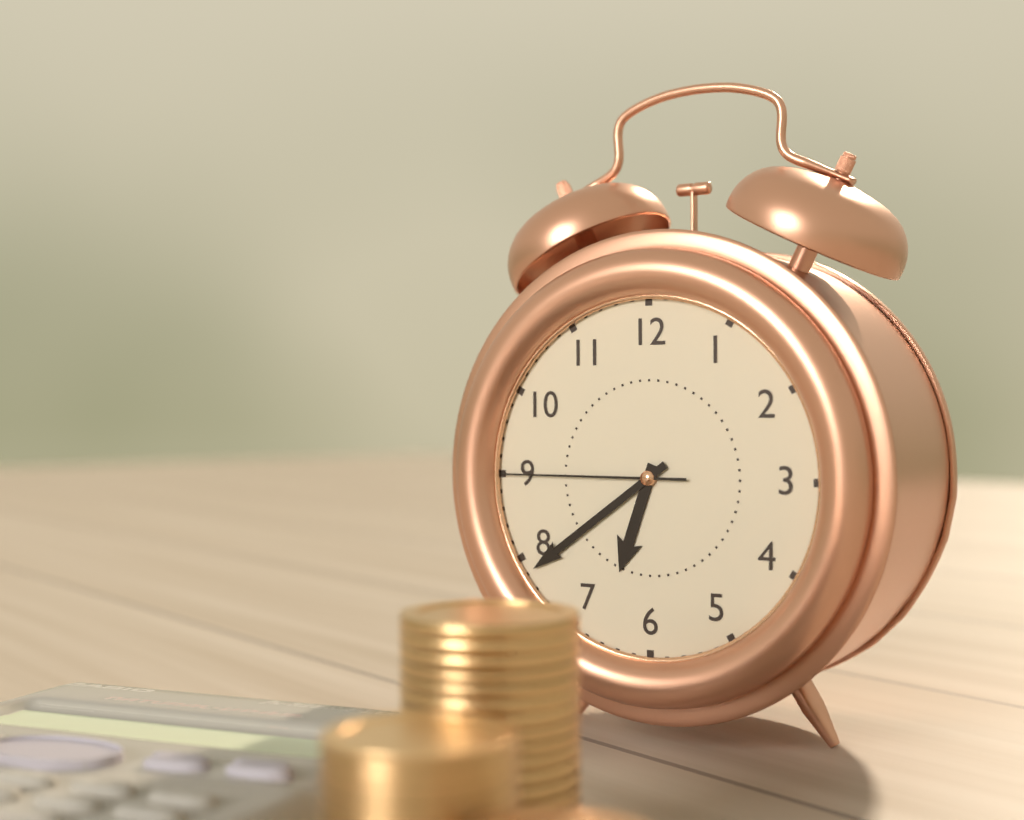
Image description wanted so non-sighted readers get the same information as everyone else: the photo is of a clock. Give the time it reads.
6:39:45
